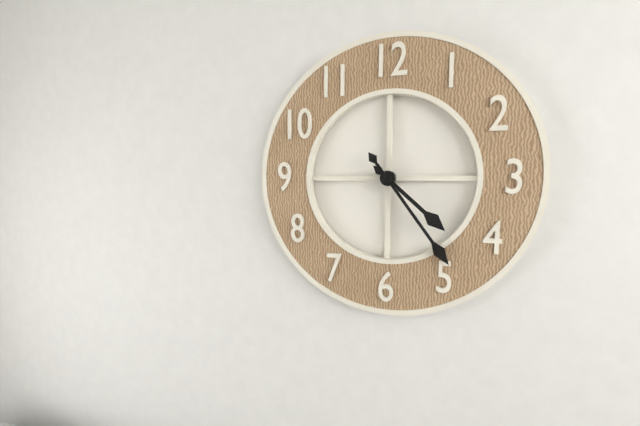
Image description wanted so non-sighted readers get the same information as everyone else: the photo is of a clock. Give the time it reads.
4:24
